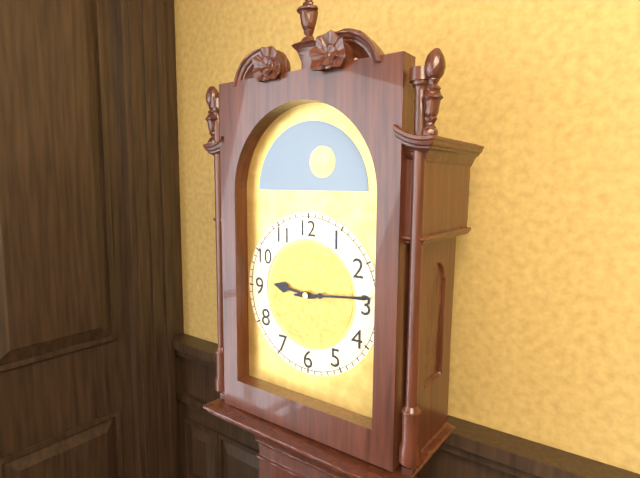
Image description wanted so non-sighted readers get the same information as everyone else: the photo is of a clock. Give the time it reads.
9:14
